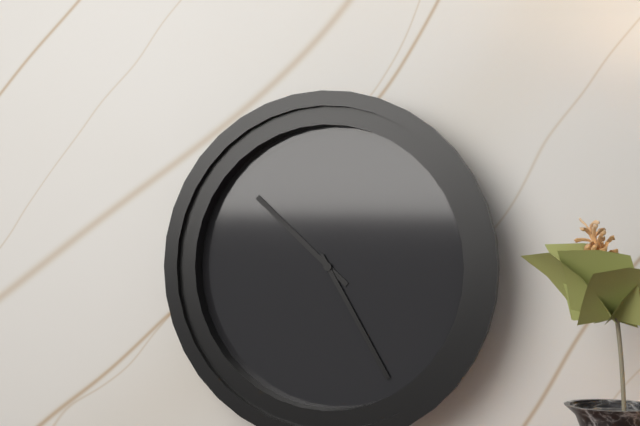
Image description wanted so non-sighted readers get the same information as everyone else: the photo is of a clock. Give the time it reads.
10:25
